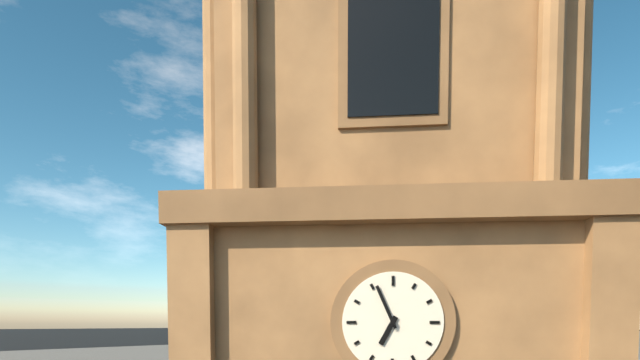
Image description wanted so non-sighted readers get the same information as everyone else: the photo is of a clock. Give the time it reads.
6:56
